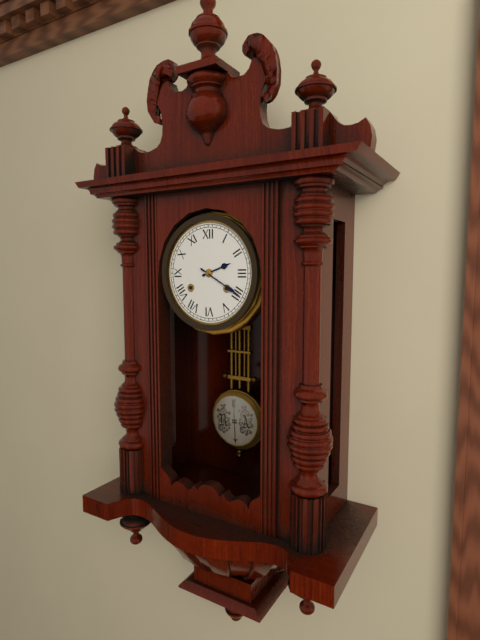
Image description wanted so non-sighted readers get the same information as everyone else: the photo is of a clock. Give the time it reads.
2:20
